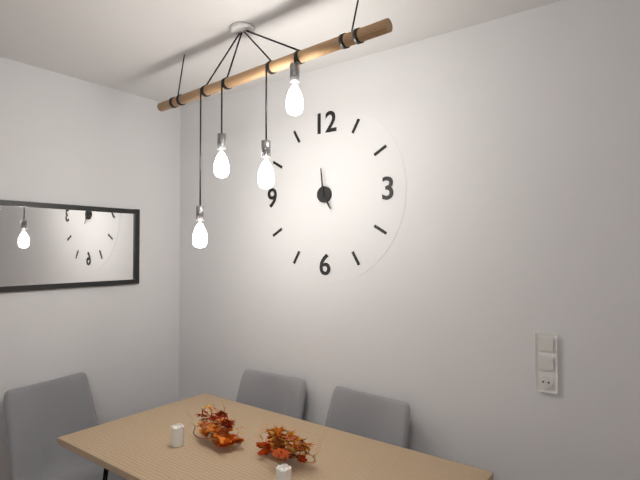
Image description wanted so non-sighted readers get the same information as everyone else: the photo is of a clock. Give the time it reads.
4:59
